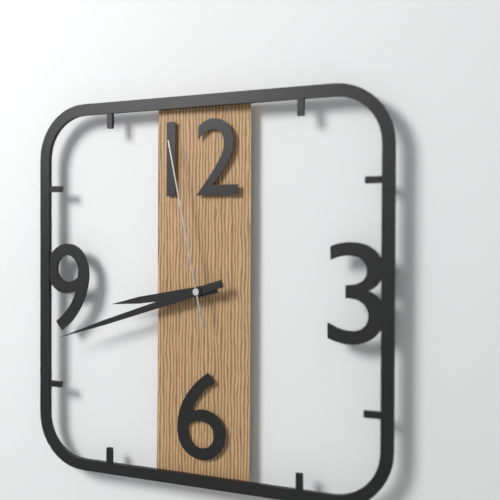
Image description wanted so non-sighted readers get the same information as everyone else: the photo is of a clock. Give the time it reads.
8:42:58
